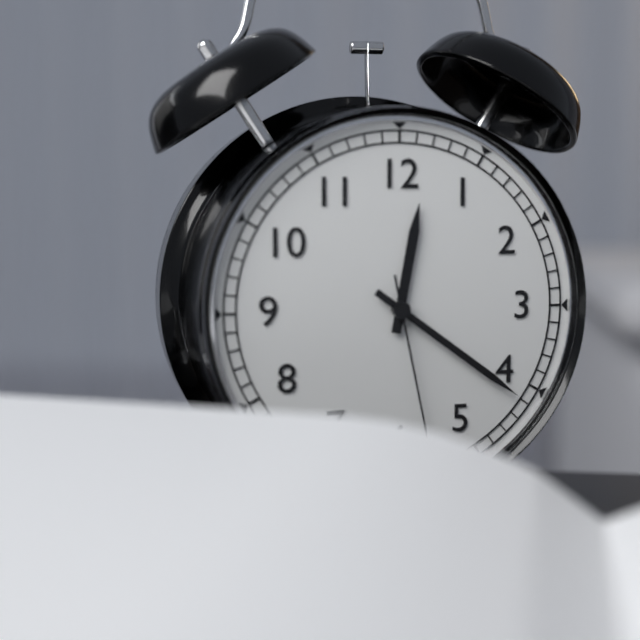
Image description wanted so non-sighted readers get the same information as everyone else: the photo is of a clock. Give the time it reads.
12:21:28
